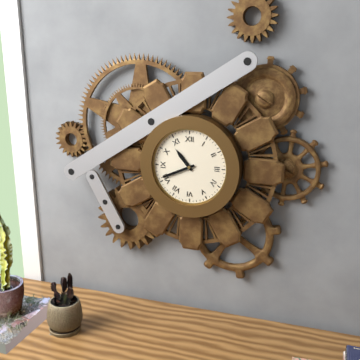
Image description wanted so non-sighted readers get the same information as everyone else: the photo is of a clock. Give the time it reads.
10:41
